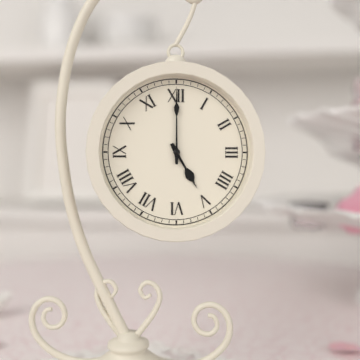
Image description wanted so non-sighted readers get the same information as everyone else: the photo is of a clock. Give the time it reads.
5:00
